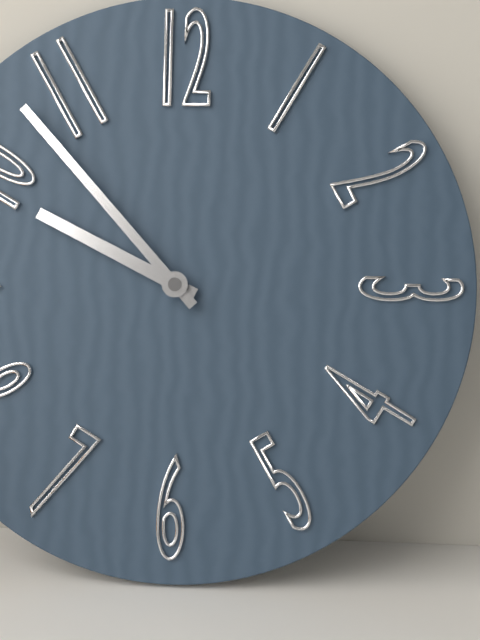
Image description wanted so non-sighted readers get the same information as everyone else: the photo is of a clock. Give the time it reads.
9:53
